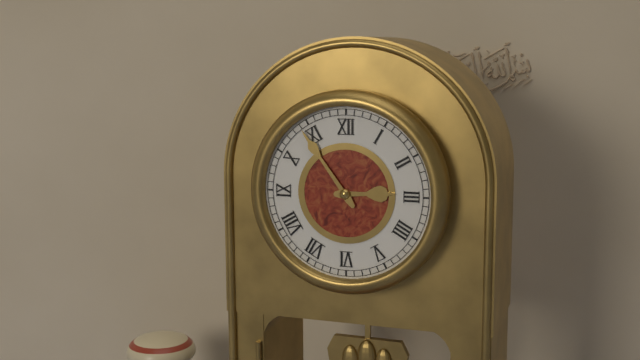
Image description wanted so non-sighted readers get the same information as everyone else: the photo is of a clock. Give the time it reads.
2:54
